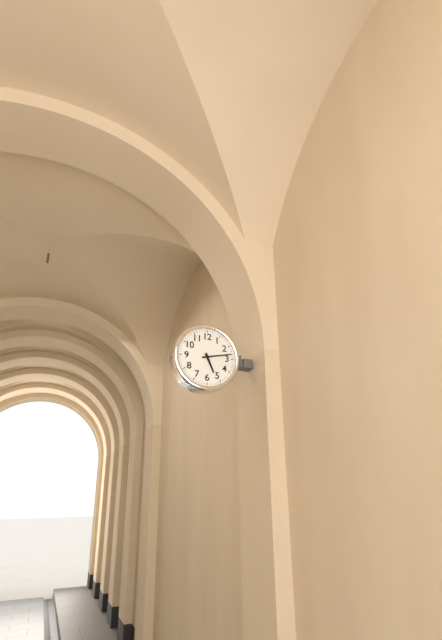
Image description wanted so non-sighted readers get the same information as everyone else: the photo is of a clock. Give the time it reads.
5:13
